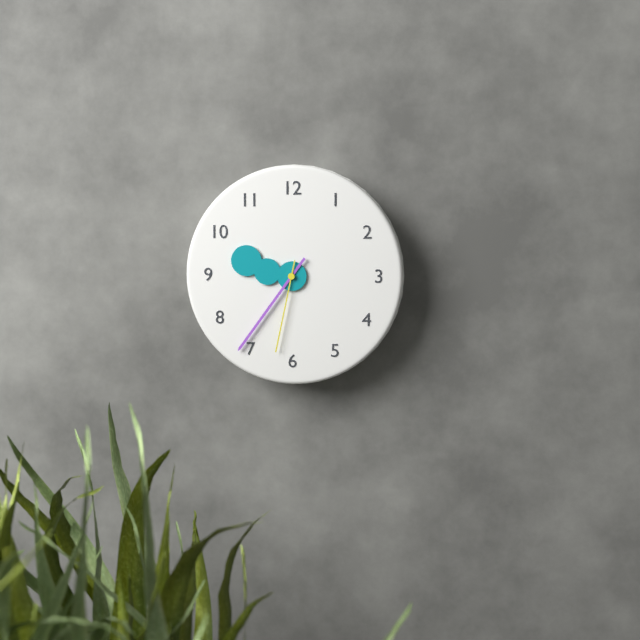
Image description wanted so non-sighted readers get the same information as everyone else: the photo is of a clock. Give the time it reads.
9:36:32
